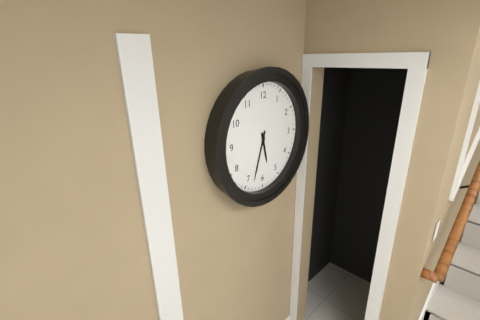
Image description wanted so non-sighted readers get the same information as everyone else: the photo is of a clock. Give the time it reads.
5:33
